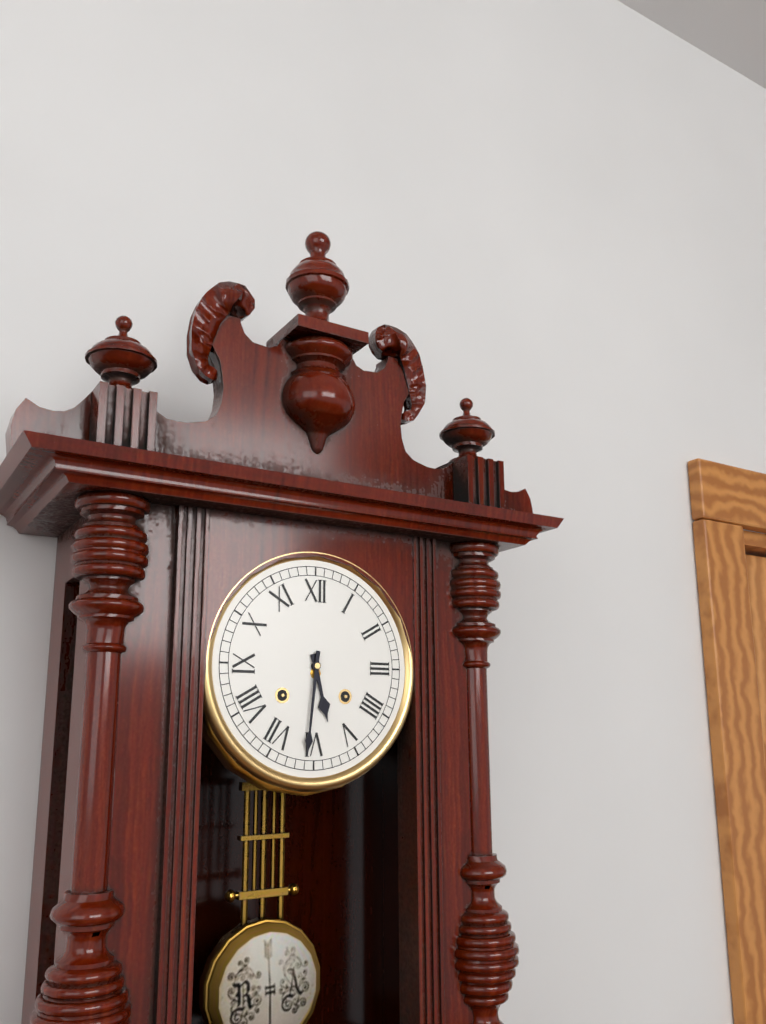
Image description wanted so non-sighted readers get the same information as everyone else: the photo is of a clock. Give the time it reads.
5:31
